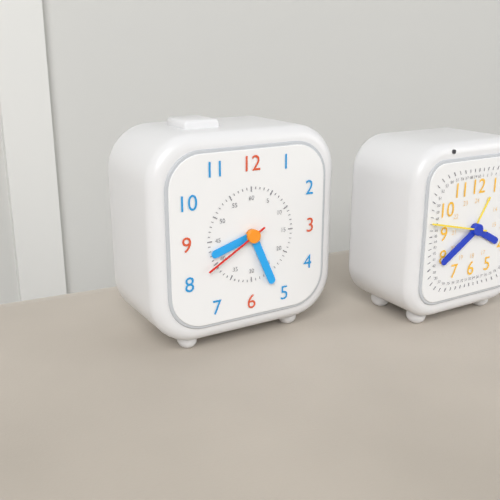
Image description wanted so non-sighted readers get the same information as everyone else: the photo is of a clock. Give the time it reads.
8:26:40
